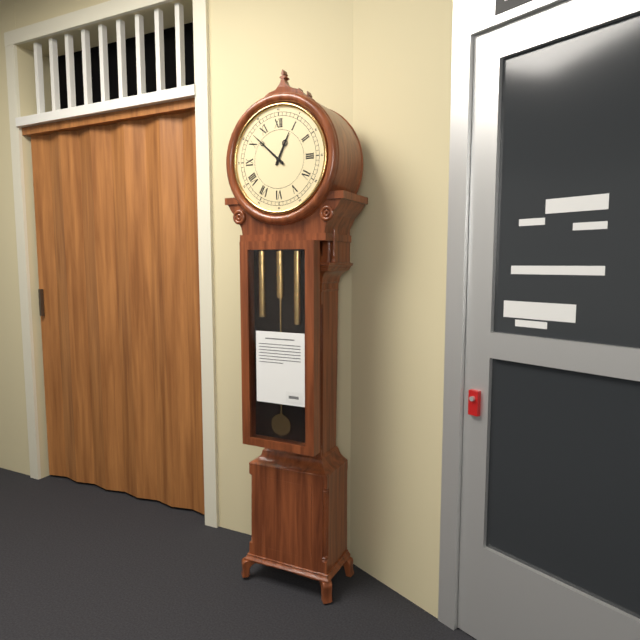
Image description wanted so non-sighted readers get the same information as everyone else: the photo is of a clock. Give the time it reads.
12:52
